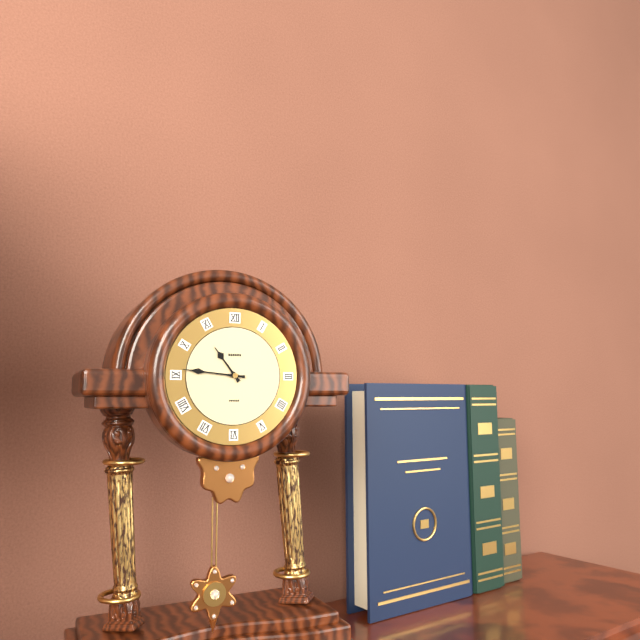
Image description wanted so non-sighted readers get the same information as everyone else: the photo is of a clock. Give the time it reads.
10:46
